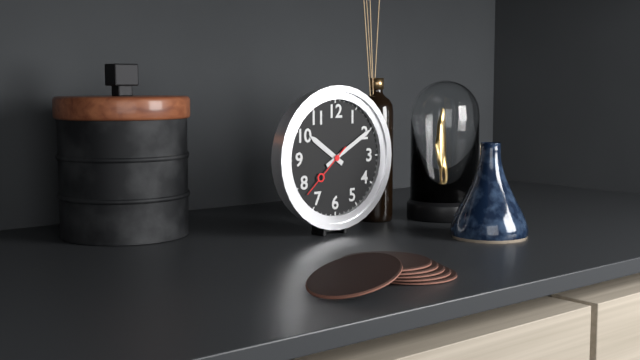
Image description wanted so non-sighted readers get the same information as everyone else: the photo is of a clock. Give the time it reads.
10:10:38
